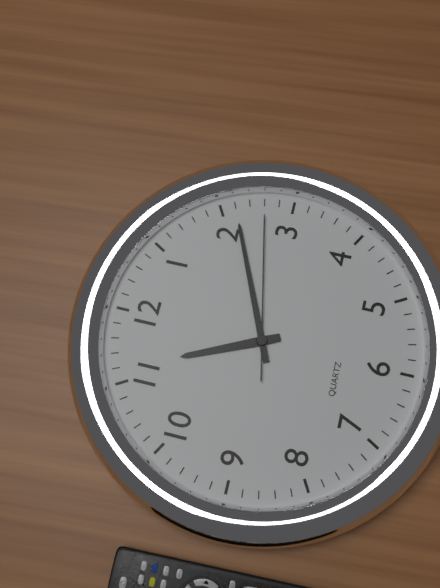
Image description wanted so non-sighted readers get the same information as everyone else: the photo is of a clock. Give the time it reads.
11:11:13
